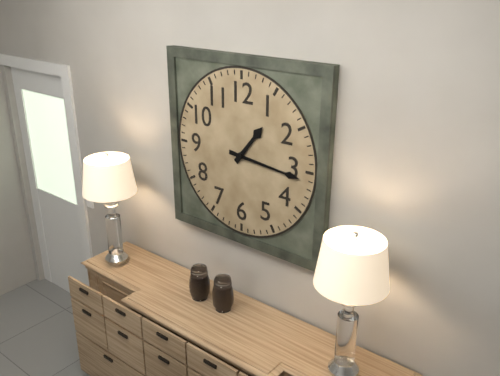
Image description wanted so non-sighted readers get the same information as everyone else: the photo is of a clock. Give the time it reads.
1:16
